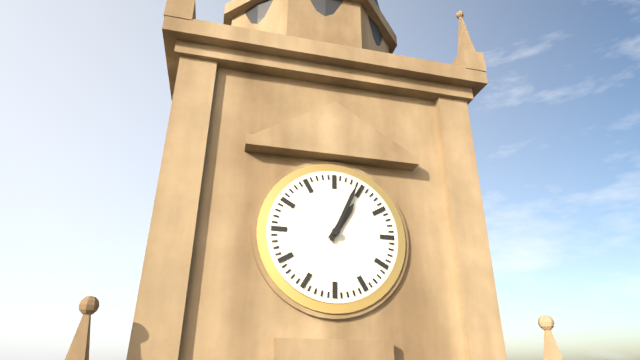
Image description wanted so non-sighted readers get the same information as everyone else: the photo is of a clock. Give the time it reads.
1:04
